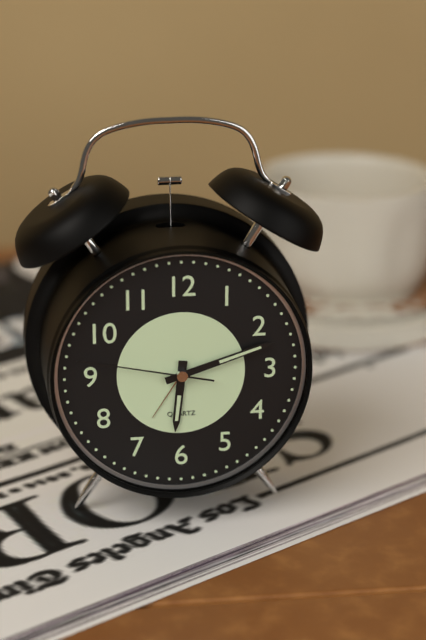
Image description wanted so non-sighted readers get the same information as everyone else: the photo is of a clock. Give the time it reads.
6:12:47
